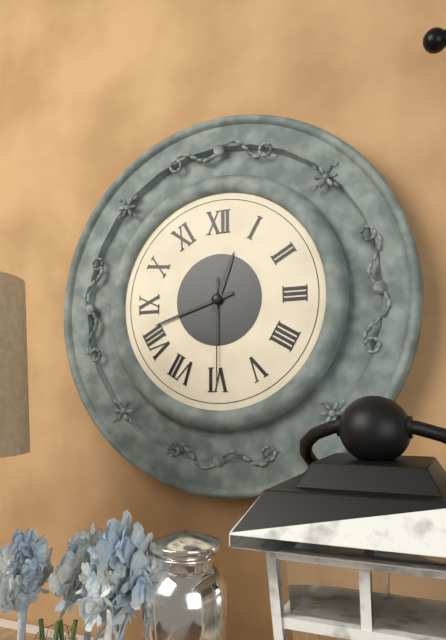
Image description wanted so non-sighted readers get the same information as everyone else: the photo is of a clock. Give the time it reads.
12:42:30
